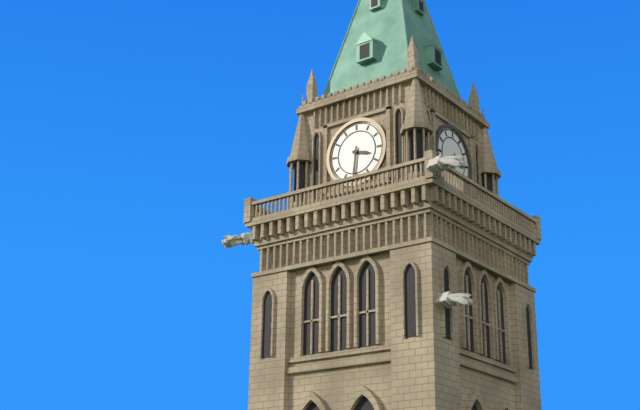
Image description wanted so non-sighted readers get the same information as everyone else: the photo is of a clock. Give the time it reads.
3:31
